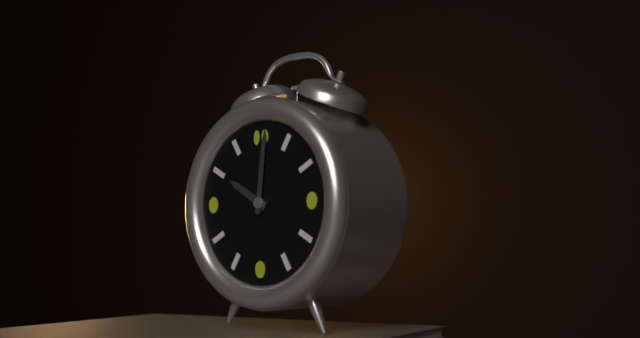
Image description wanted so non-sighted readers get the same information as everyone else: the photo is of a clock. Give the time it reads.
10:01
